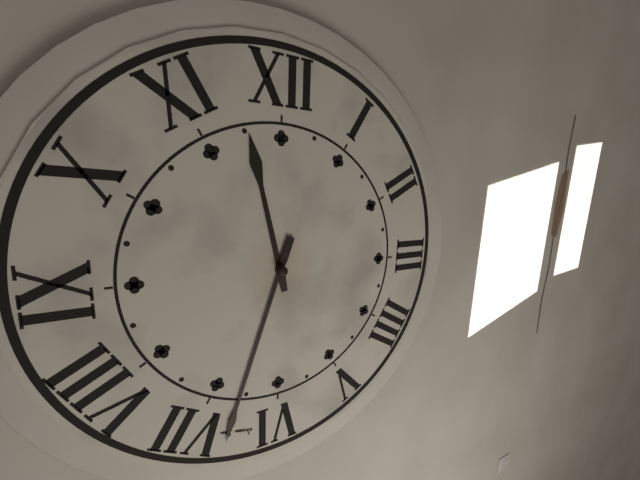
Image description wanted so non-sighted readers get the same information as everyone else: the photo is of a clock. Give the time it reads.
11:33
